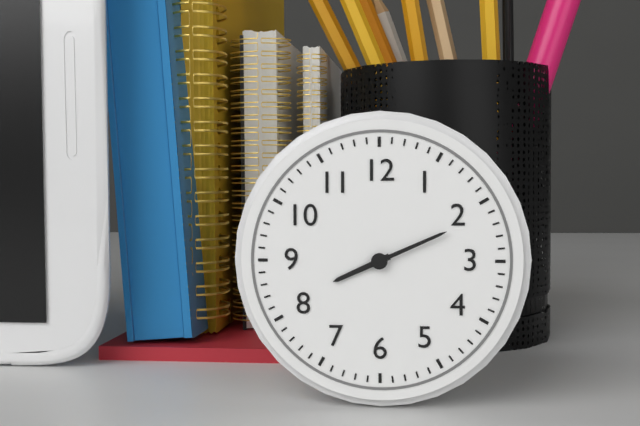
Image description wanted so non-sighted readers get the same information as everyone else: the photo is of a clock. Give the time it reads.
8:11
